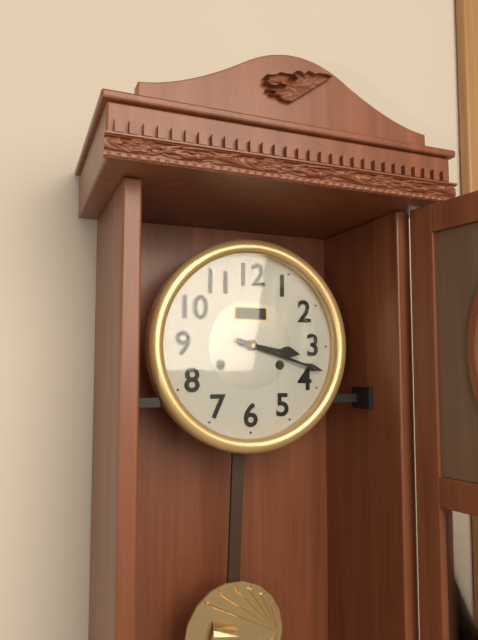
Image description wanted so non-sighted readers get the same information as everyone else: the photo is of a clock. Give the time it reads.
3:18
